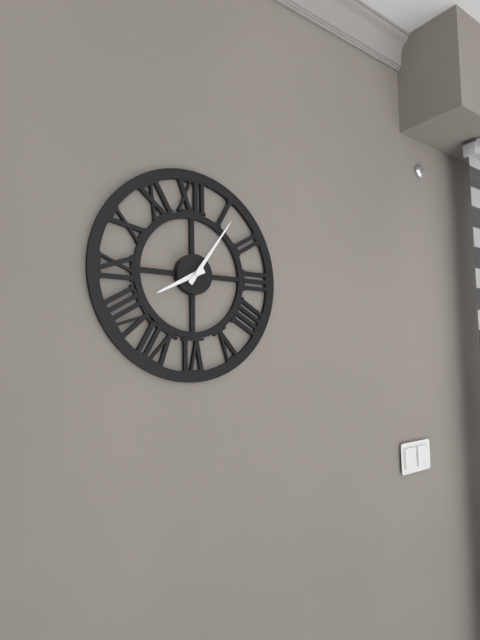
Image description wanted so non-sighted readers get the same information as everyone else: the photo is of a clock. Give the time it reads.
8:06
